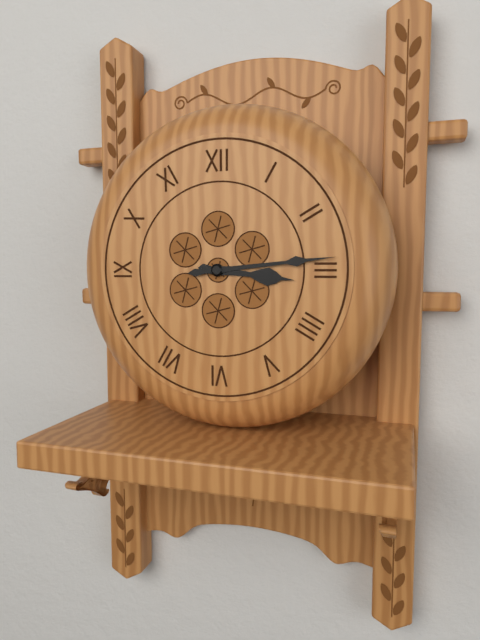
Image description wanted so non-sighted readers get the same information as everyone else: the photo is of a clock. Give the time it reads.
3:14
